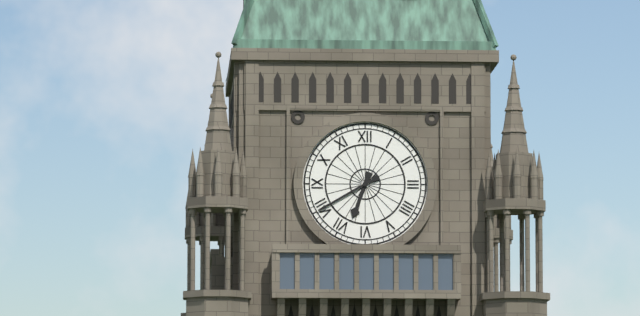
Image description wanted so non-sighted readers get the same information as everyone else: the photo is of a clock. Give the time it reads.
6:40
